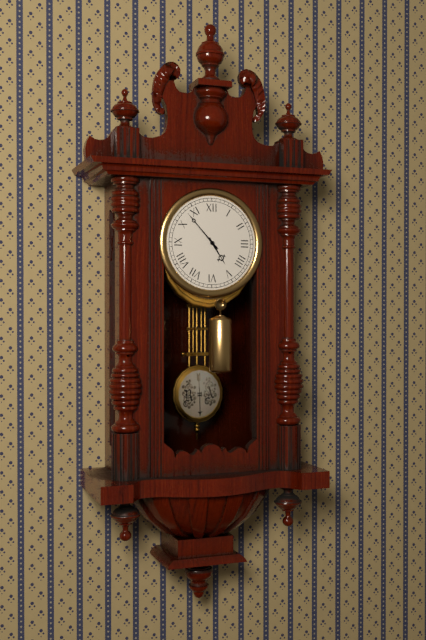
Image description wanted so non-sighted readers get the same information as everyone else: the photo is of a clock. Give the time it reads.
4:53
